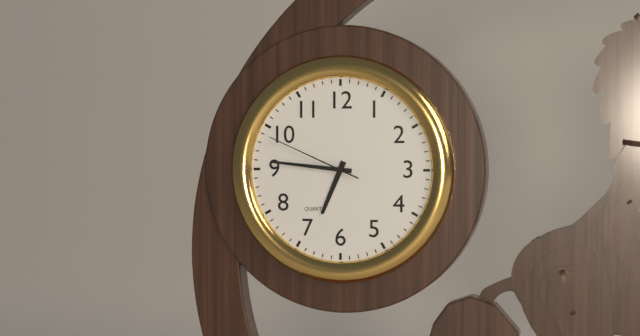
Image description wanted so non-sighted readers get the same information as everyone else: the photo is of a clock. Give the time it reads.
6:46:49
